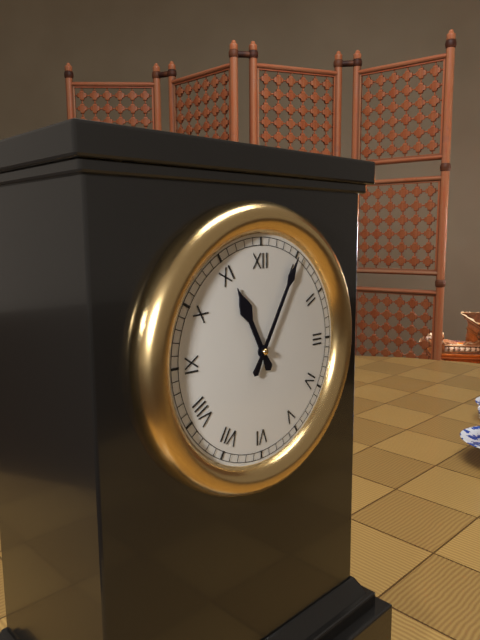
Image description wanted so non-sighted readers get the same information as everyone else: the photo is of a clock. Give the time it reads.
11:05
